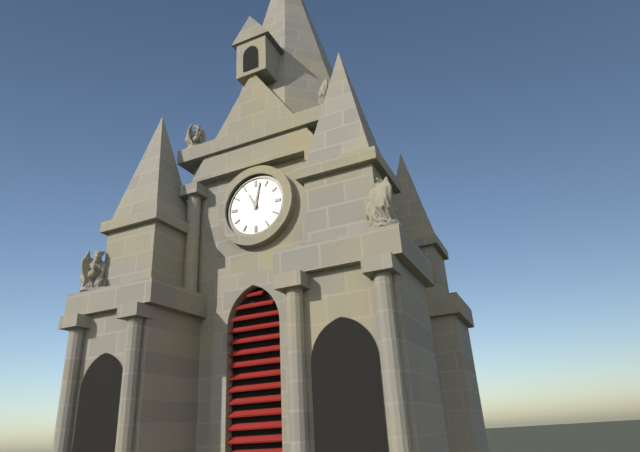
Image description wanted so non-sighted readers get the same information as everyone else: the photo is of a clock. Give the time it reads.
11:02
